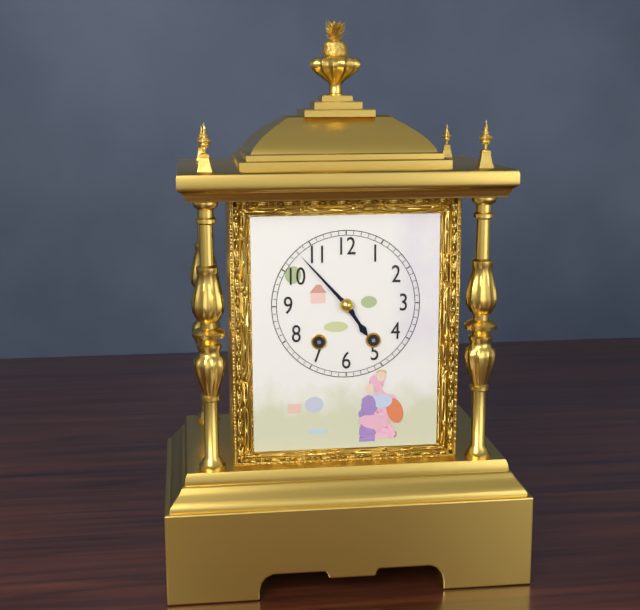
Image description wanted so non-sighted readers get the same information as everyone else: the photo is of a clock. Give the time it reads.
4:53
